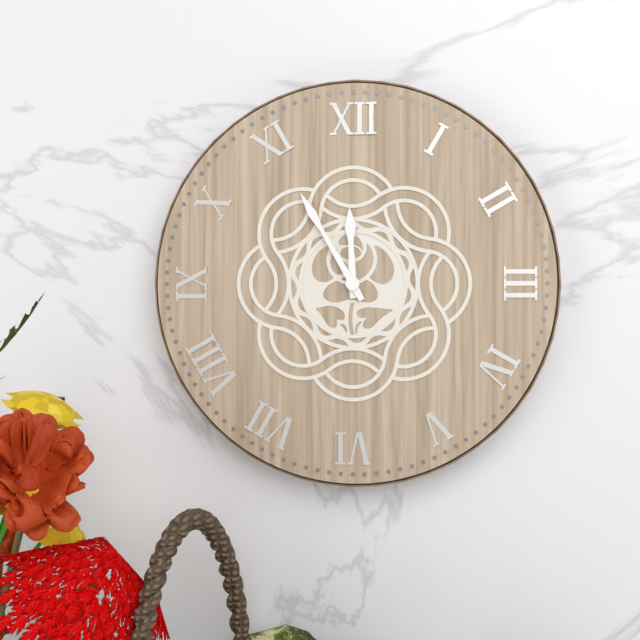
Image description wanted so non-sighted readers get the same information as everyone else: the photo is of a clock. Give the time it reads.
11:55
